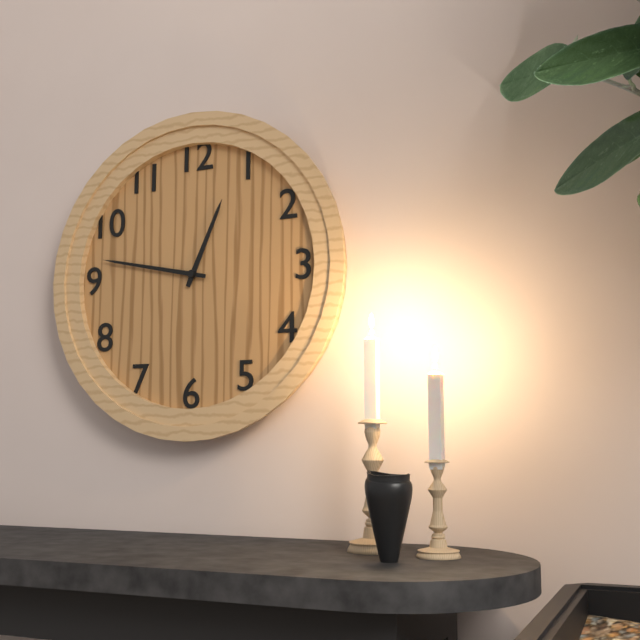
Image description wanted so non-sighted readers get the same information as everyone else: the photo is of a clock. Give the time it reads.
12:47
